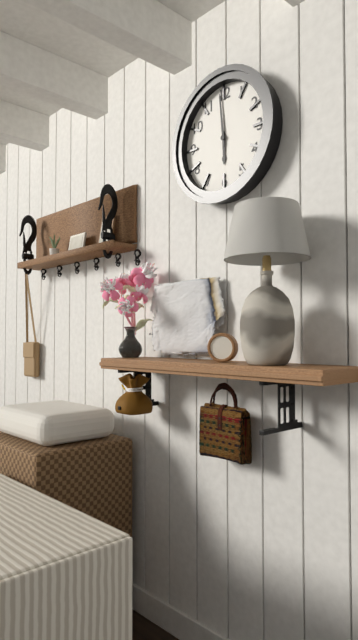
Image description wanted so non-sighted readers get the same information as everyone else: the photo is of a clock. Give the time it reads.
5:59
